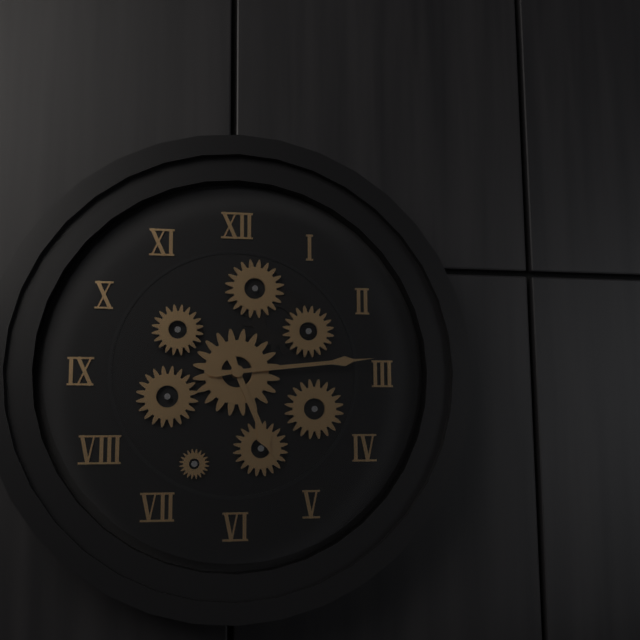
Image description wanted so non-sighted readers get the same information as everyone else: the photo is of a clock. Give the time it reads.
5:14
